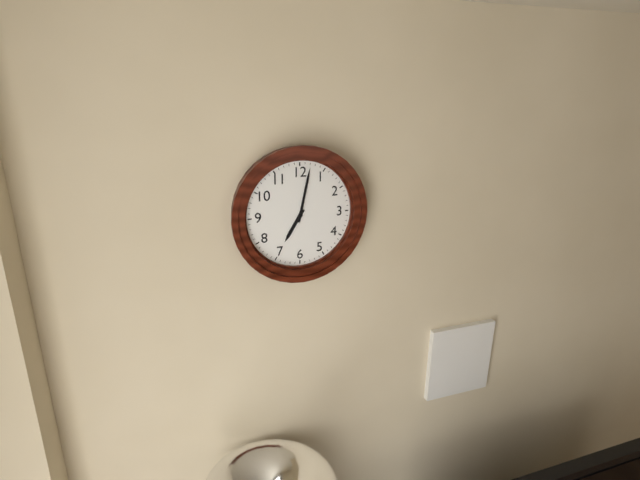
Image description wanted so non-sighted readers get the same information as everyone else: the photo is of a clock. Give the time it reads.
7:02
